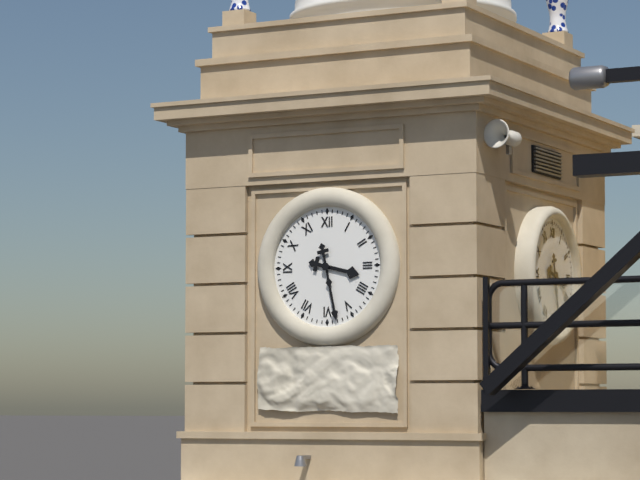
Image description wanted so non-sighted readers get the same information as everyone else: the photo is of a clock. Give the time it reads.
3:28
